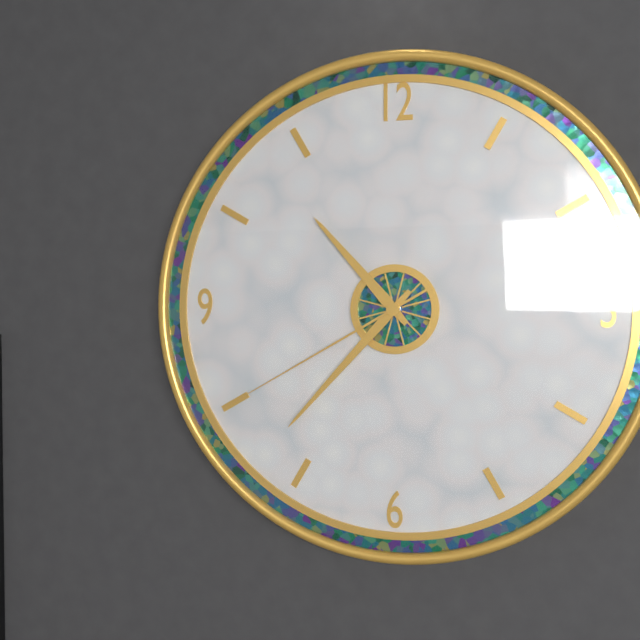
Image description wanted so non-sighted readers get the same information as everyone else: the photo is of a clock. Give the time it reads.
10:37:40
